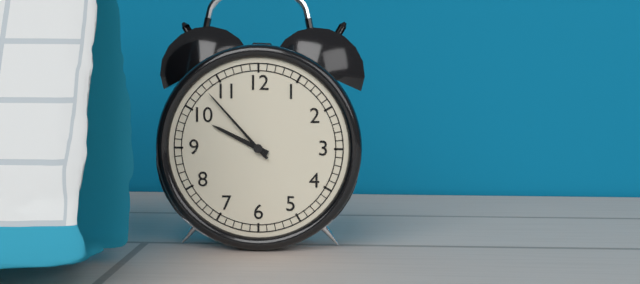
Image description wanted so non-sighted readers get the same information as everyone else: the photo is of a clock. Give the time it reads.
9:53
